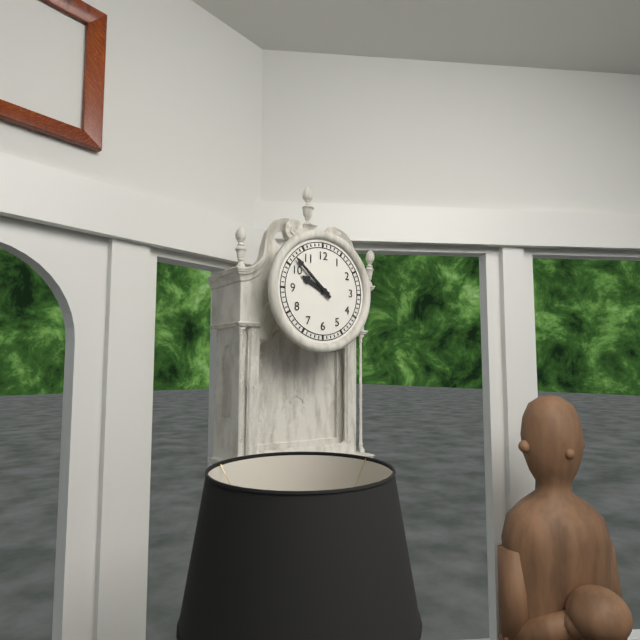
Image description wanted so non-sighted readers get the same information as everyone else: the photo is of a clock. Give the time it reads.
9:52
